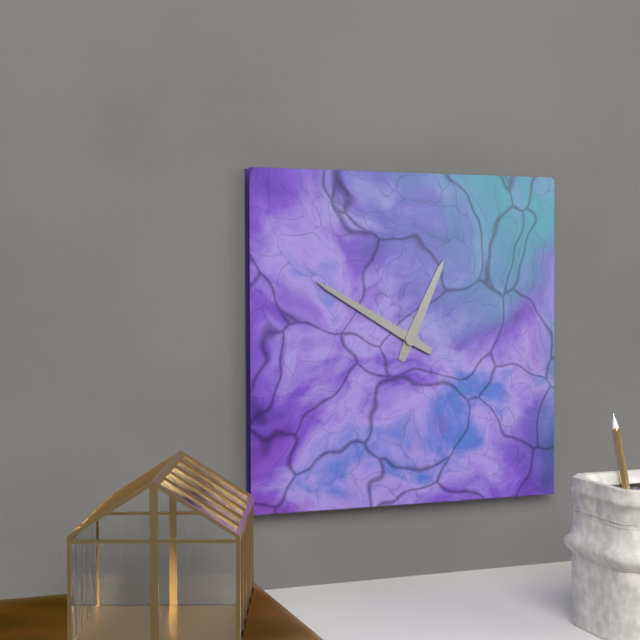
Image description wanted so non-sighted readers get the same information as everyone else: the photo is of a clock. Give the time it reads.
12:50
